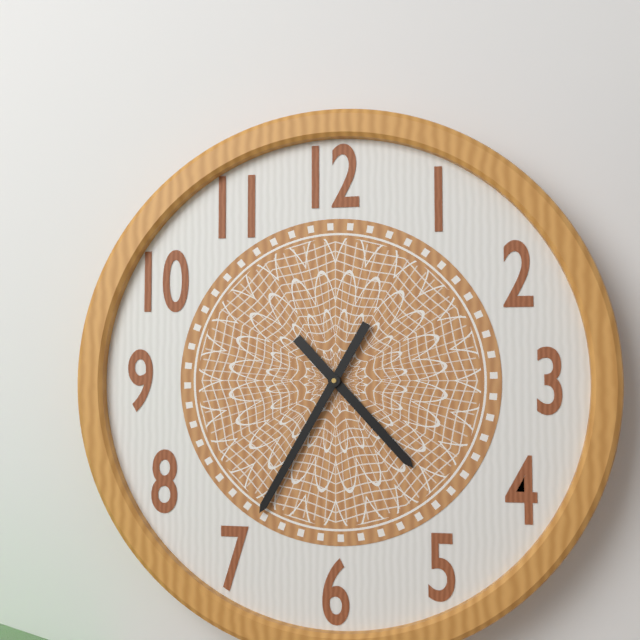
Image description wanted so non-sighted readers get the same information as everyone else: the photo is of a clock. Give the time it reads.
4:35
